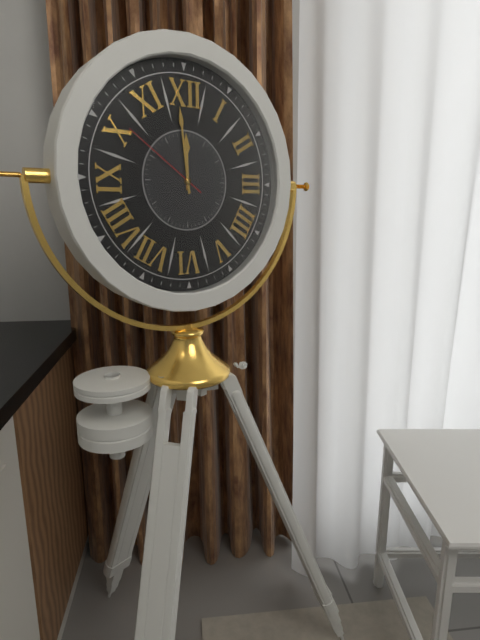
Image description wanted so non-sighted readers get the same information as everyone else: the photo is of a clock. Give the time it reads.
11:59:51
